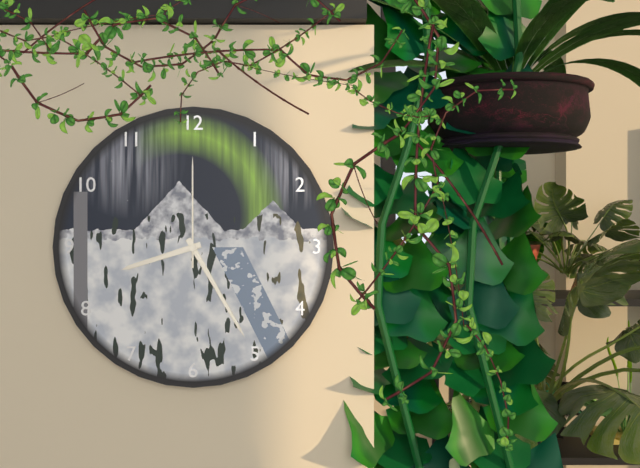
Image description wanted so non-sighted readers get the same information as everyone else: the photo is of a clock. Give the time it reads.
8:25:00
